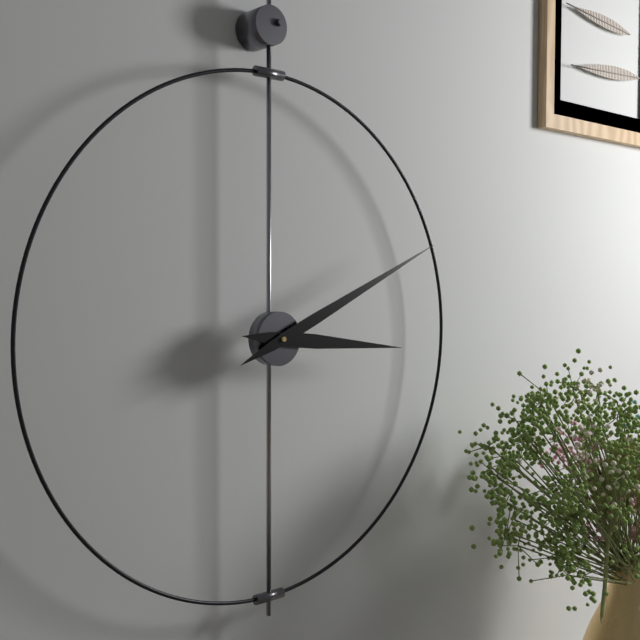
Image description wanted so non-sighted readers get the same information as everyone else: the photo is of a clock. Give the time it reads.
3:11
